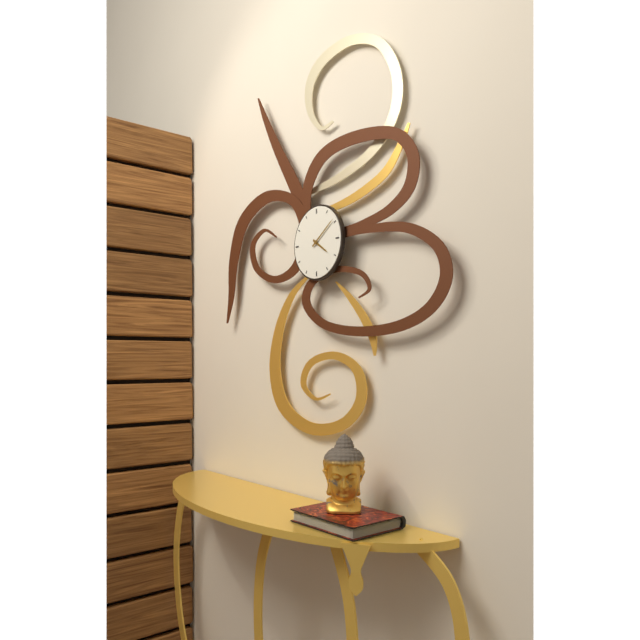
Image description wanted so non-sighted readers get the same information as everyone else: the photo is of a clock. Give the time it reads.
4:09
